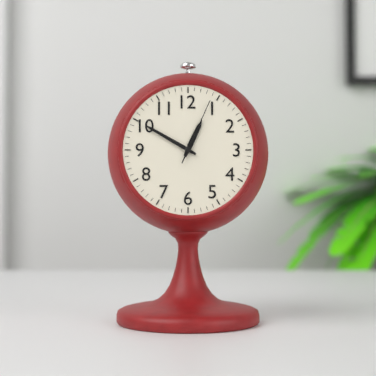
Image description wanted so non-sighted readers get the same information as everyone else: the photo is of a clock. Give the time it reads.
12:50:04
